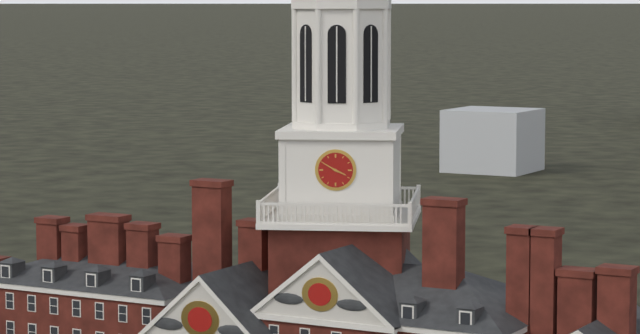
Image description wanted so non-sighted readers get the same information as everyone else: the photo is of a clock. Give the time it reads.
3:50
